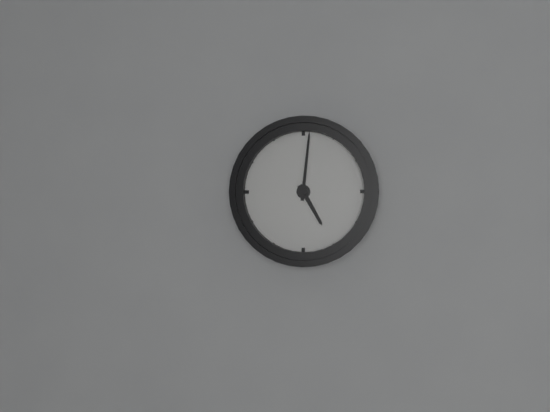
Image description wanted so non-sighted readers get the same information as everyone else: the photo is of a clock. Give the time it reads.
5:01
